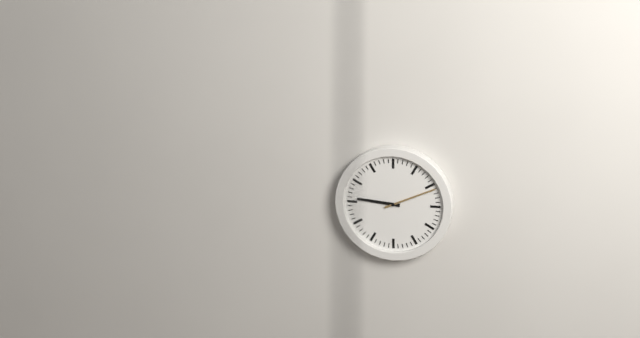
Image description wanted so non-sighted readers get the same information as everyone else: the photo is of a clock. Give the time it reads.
9:11
